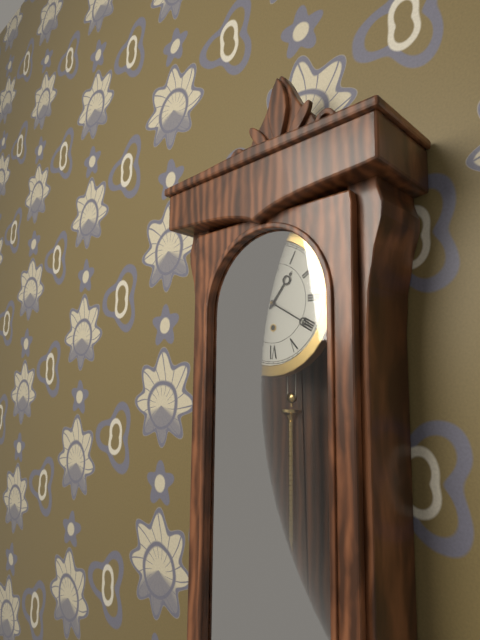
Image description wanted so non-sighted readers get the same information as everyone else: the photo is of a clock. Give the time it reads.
1:20
